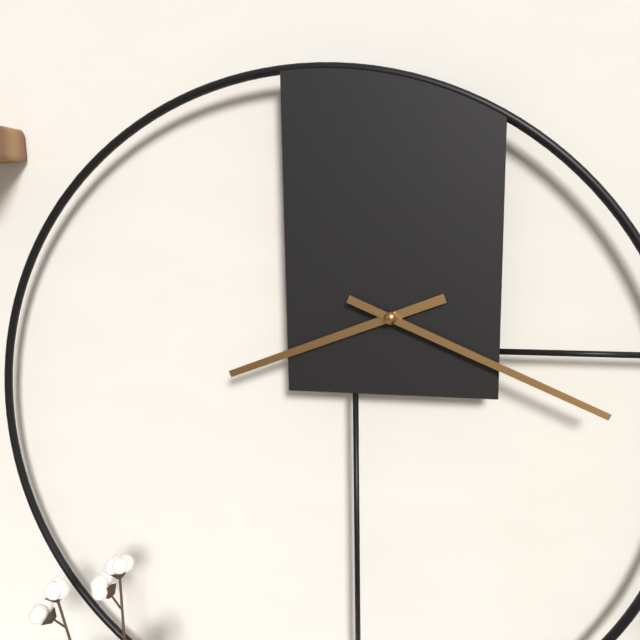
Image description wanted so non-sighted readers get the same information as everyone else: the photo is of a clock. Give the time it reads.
8:19
